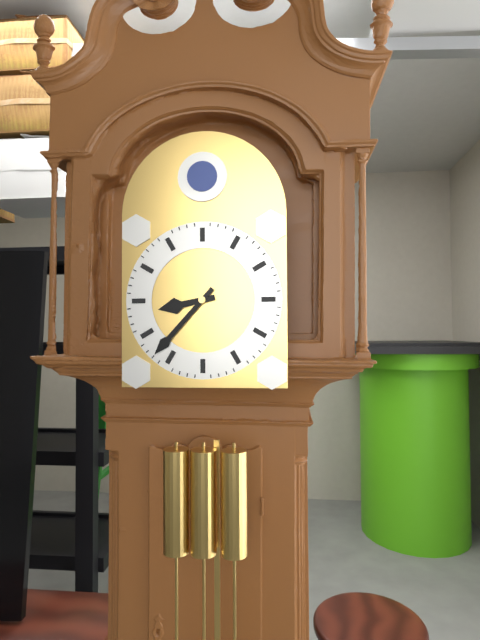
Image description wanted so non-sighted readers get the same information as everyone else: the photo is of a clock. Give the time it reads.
8:37
